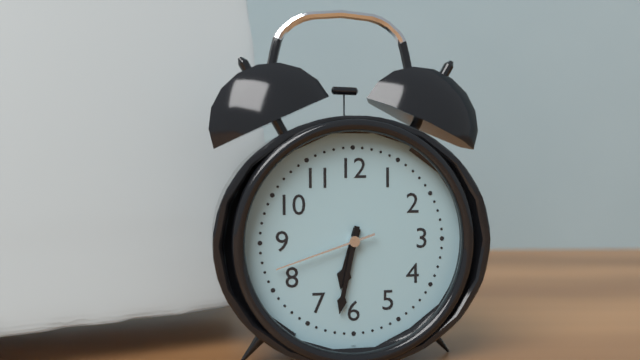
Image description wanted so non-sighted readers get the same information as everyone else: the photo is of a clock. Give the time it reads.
6:32:42
